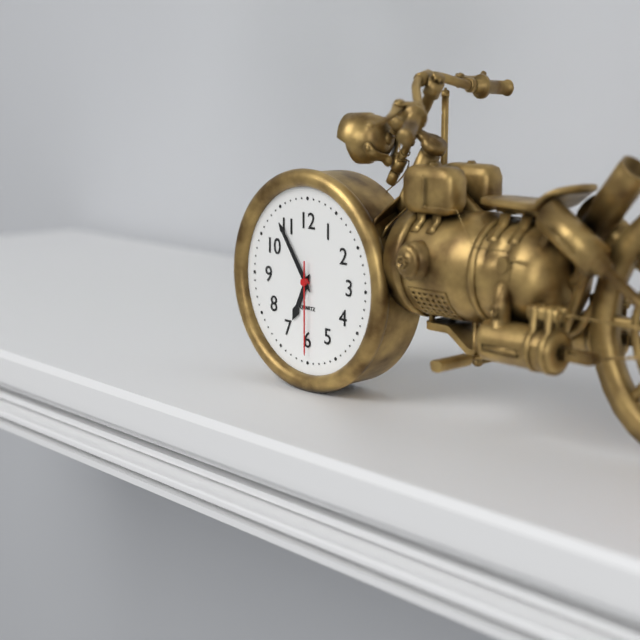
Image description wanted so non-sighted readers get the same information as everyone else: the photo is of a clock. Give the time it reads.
6:54:30
